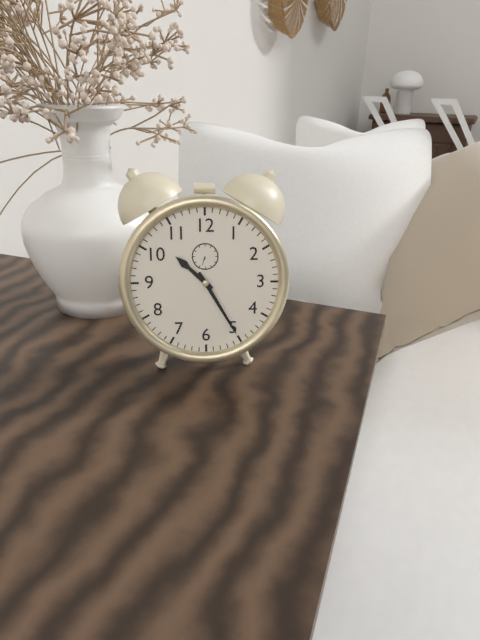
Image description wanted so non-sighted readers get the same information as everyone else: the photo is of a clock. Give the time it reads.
10:25
